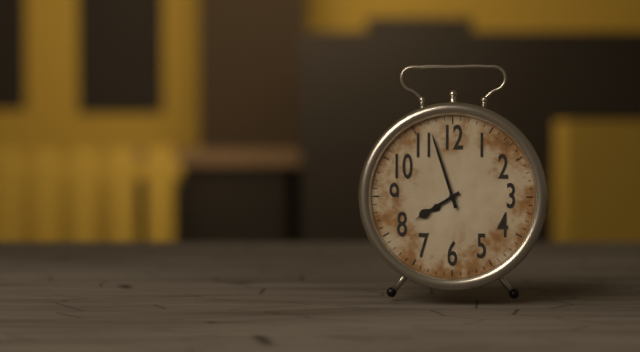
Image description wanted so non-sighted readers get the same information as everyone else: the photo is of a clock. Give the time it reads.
7:57
